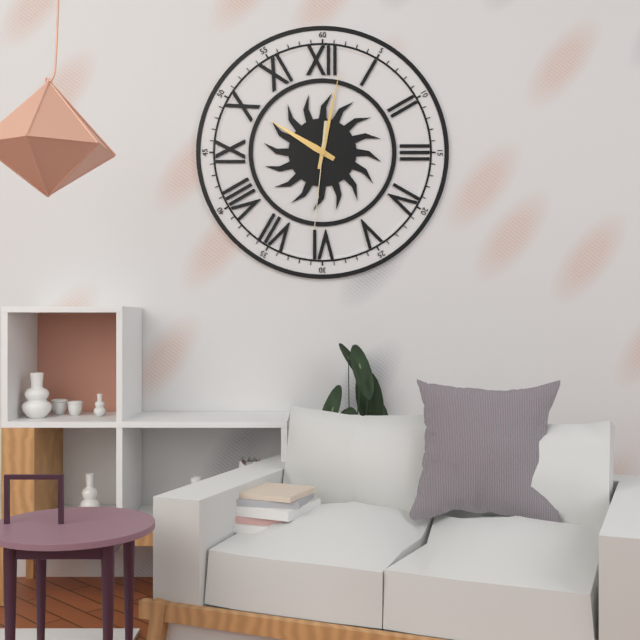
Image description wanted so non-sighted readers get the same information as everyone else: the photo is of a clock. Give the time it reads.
10:02:31
